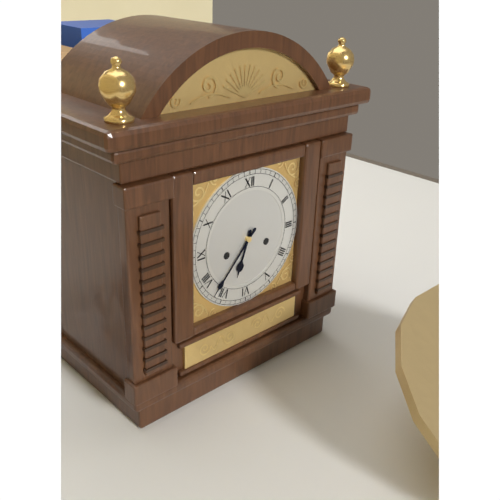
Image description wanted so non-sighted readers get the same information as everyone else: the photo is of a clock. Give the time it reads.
6:37
